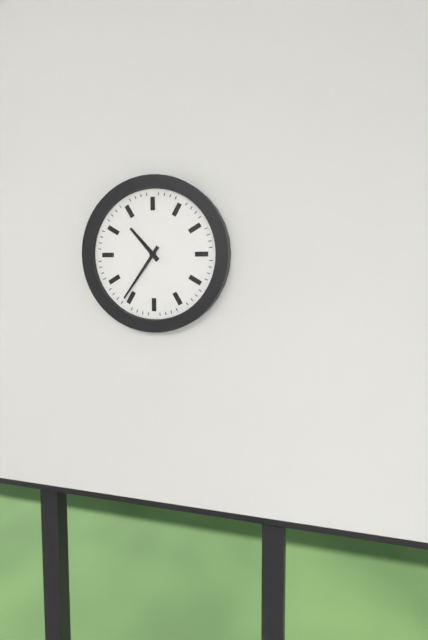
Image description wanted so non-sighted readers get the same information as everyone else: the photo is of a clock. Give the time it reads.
10:36
